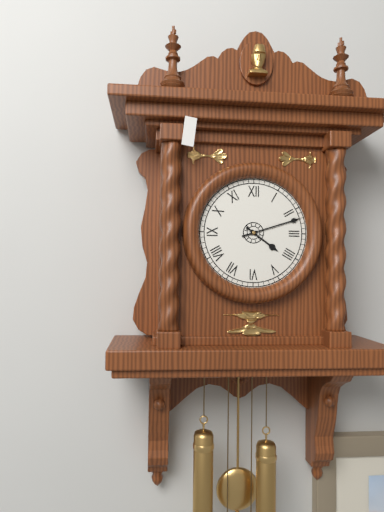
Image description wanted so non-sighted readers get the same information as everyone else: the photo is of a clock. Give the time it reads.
4:12
